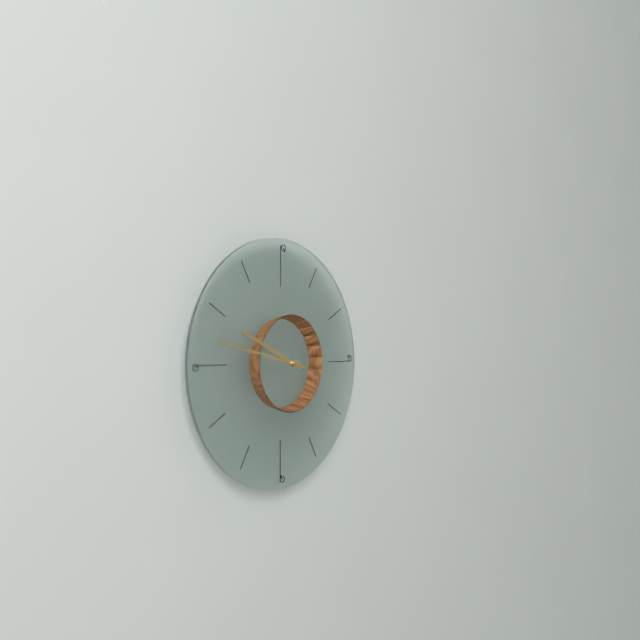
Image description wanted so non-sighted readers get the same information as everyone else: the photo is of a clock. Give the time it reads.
9:47
